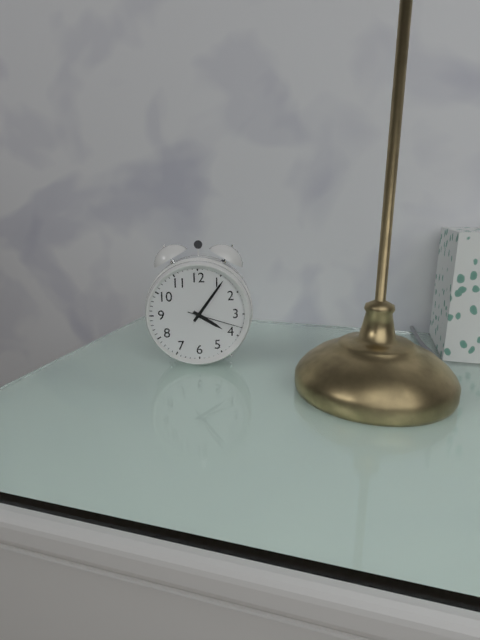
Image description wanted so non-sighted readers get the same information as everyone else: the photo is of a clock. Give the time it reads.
4:06:18
